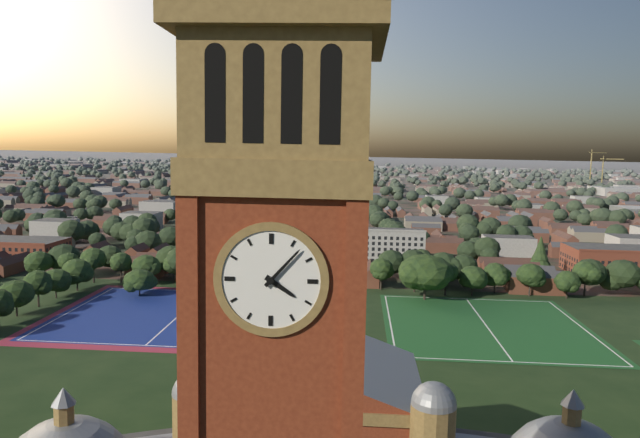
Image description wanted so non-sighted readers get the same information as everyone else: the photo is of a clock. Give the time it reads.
4:07
